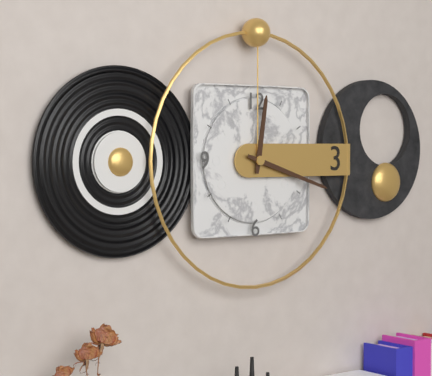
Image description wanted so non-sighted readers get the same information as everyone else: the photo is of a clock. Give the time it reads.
12:18
